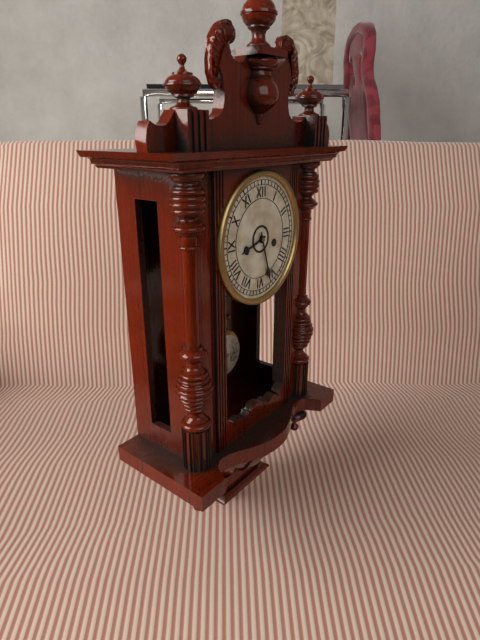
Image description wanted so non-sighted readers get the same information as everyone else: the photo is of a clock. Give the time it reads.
8:27
